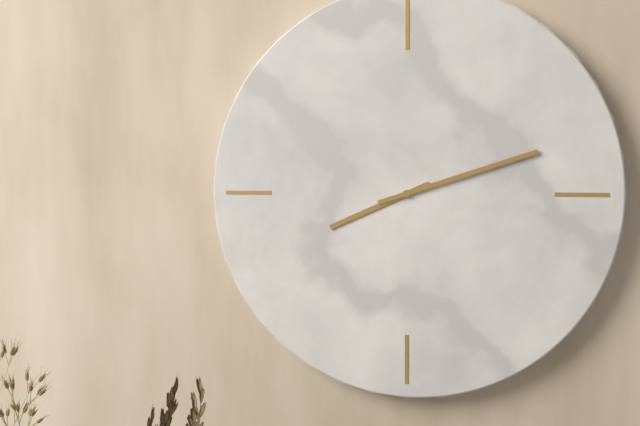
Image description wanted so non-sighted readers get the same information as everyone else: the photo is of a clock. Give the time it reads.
8:12
